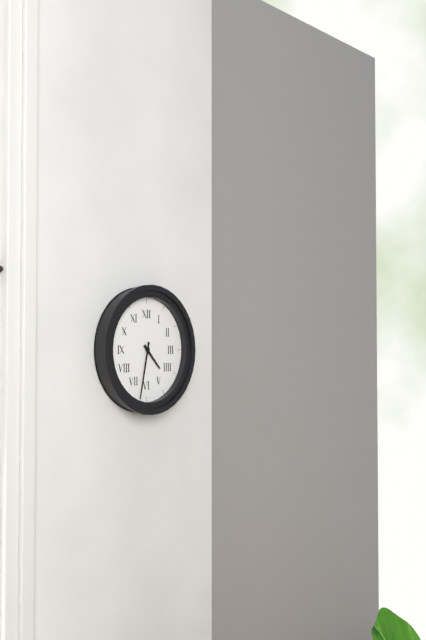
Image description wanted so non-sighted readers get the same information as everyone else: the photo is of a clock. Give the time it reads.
4:32
